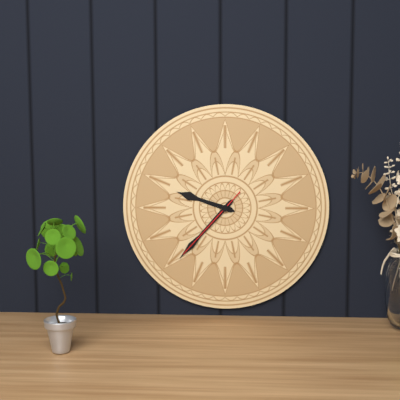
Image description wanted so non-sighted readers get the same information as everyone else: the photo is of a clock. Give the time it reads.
9:37:37
